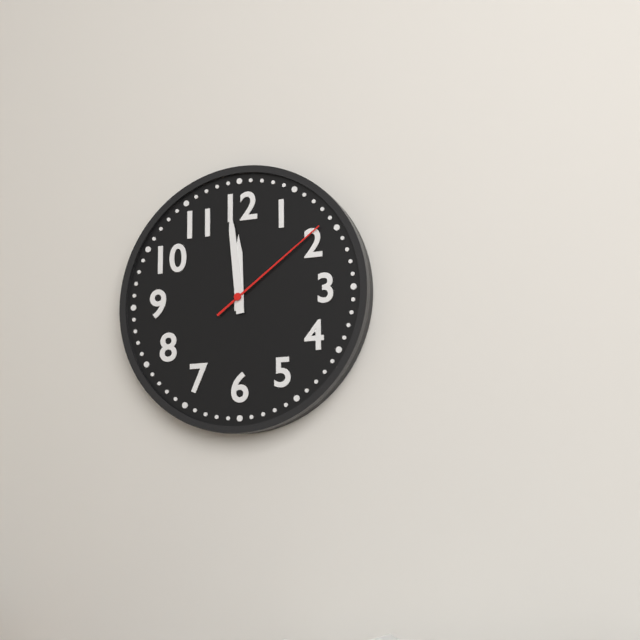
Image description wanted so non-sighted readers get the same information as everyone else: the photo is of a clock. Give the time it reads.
11:59:09
